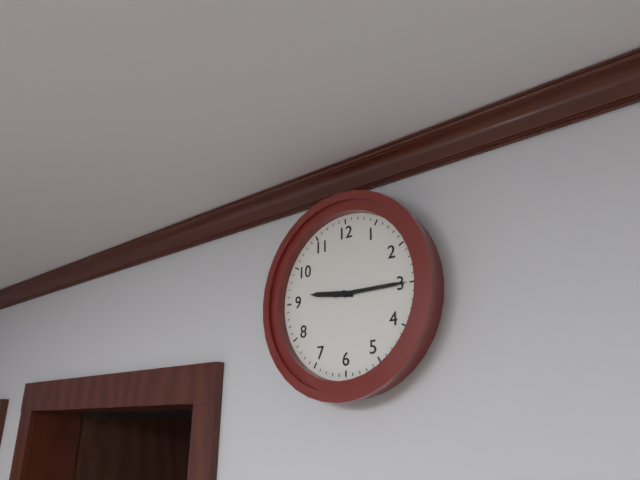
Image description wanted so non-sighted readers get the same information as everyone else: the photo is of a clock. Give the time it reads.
9:15
